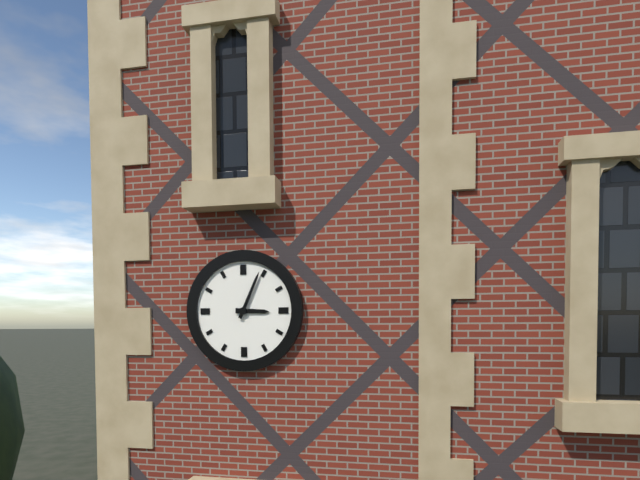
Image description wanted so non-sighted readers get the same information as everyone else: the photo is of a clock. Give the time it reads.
3:04
